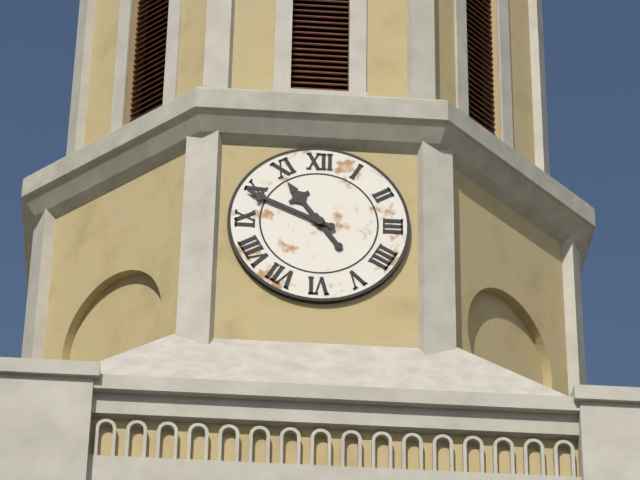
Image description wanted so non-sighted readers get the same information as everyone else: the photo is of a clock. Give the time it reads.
10:49
